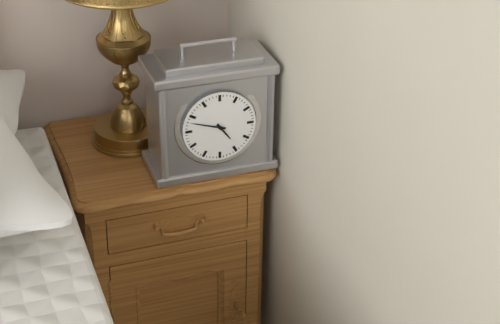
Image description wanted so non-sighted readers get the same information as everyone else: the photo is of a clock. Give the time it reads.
4:48
